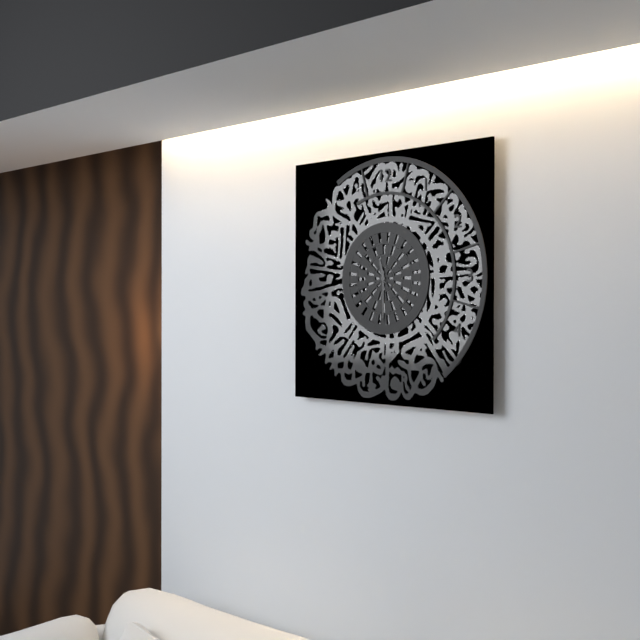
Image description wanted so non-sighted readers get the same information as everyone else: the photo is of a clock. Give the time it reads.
11:30
